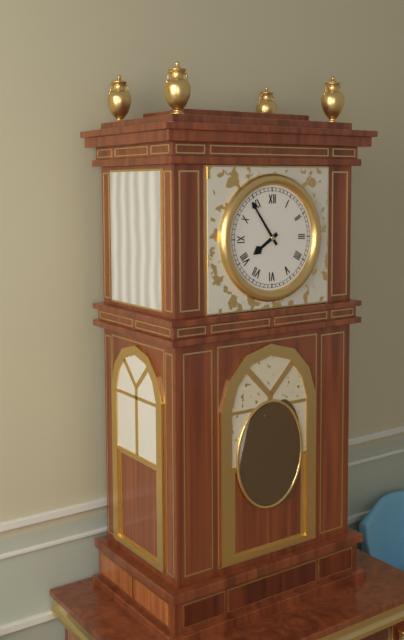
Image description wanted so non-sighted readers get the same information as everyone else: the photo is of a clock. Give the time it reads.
7:54
